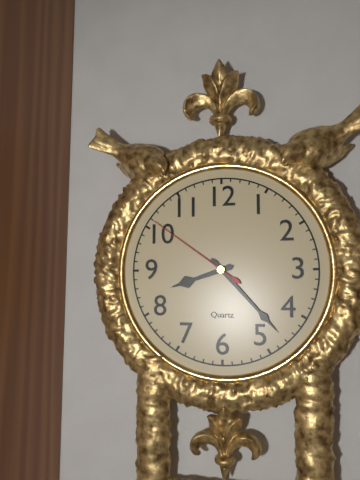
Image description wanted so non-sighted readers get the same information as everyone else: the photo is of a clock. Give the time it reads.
8:23:51
